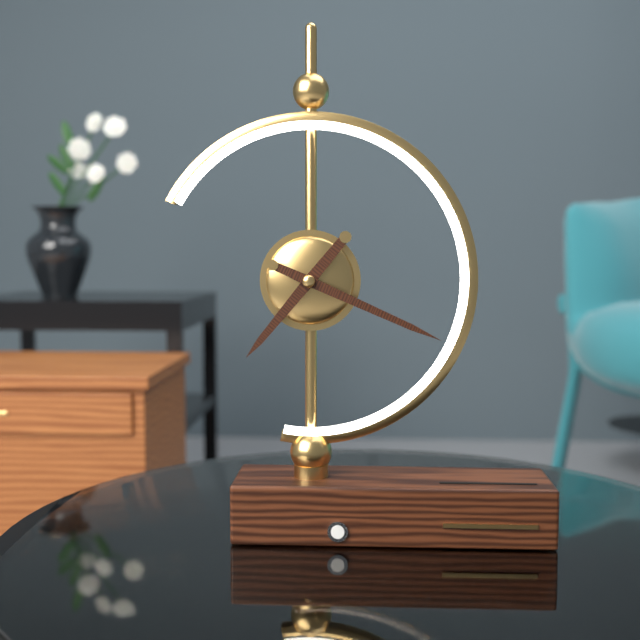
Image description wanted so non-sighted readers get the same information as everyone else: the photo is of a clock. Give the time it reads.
7:19
